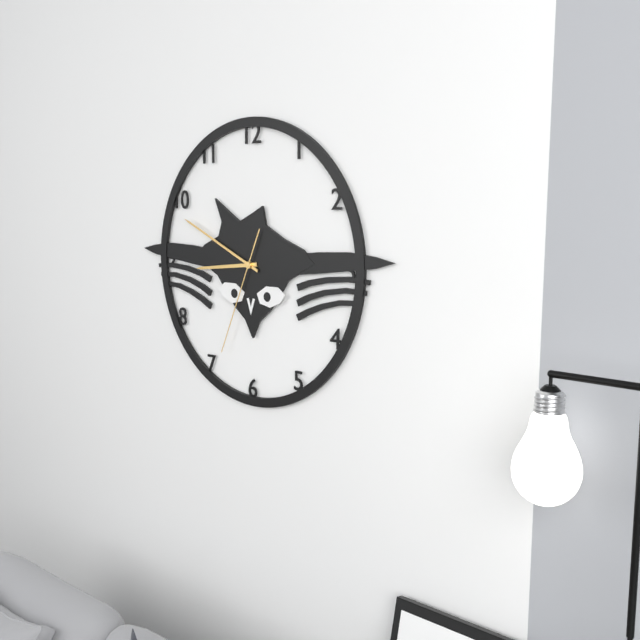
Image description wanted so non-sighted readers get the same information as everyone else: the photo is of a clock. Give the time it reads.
8:49:34
